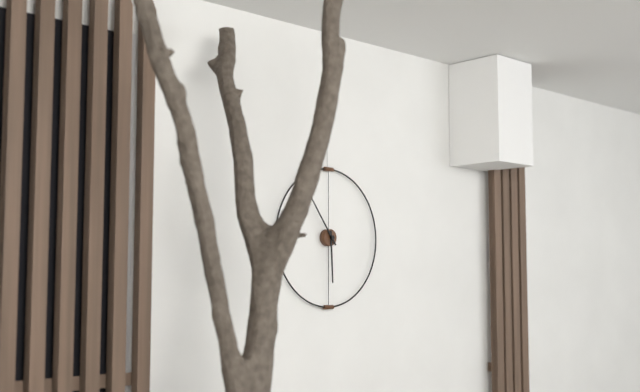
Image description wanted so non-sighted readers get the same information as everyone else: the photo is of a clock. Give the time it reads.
5:54
